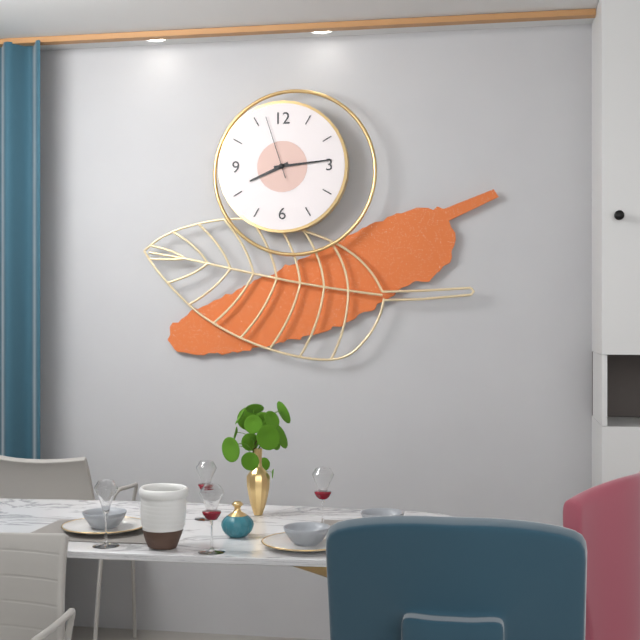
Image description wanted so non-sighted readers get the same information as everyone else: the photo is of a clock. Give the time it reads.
8:14:57
